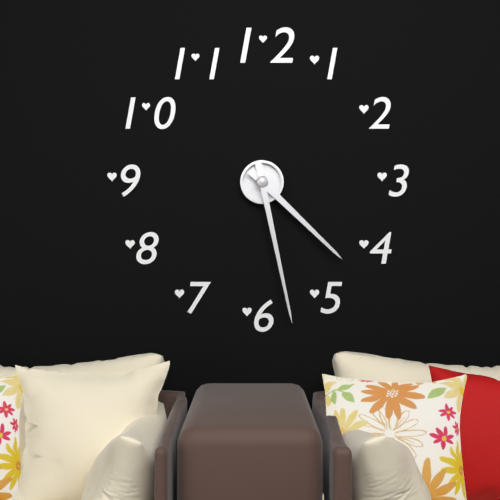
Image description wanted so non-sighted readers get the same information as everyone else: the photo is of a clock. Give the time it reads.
4:28
